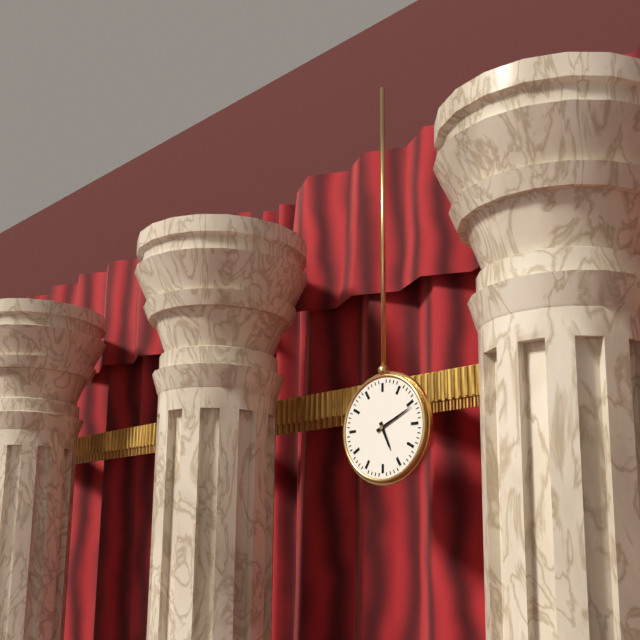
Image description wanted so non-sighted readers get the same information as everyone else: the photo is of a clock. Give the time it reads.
5:11
